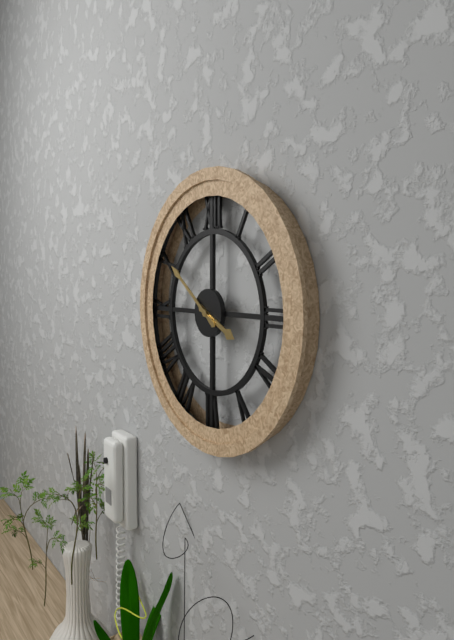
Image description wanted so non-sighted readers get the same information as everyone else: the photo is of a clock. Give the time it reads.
3:51
